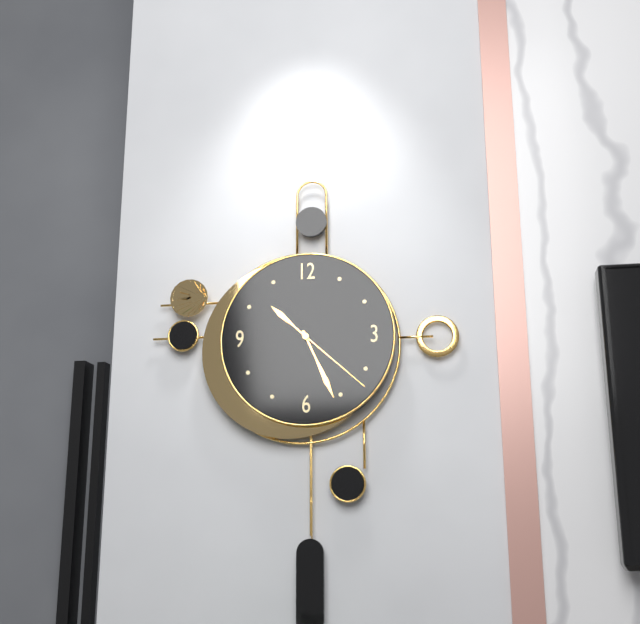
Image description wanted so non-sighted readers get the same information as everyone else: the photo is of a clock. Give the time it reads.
10:26:22
